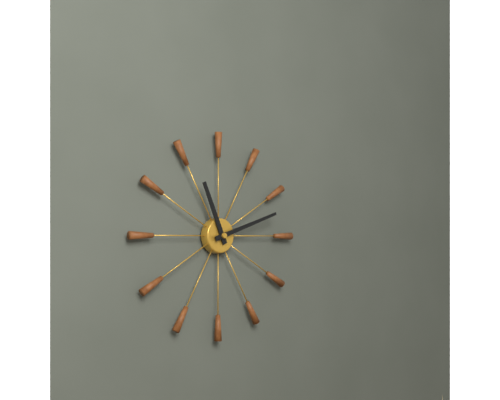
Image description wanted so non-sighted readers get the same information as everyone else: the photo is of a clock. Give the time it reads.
11:12
